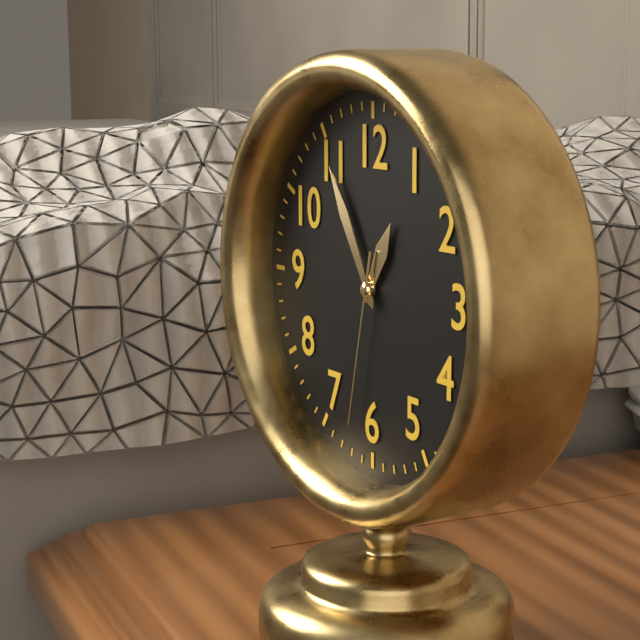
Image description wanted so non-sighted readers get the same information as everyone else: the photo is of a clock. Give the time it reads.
12:55:32
